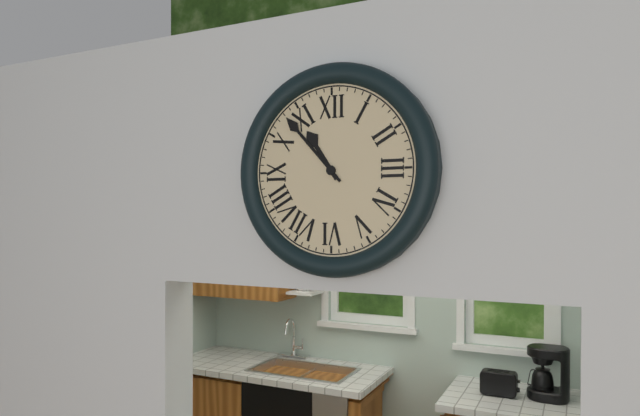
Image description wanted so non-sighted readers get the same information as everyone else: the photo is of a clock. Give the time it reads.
10:53
